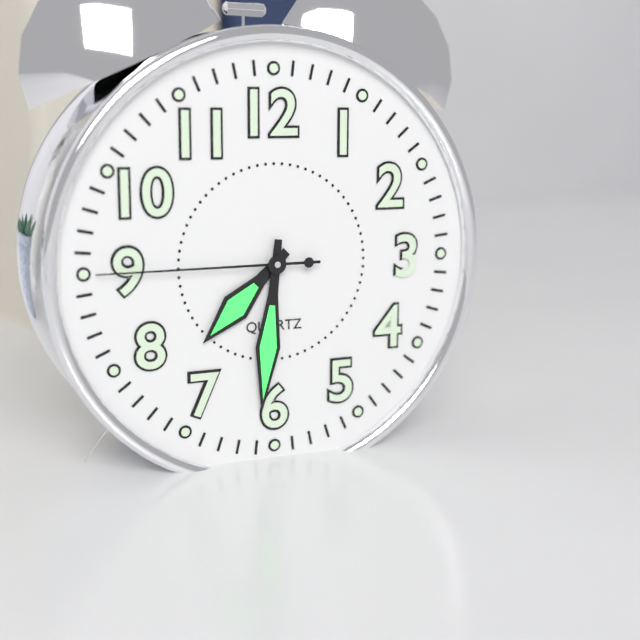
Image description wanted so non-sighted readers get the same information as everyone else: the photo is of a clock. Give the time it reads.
7:31:45
